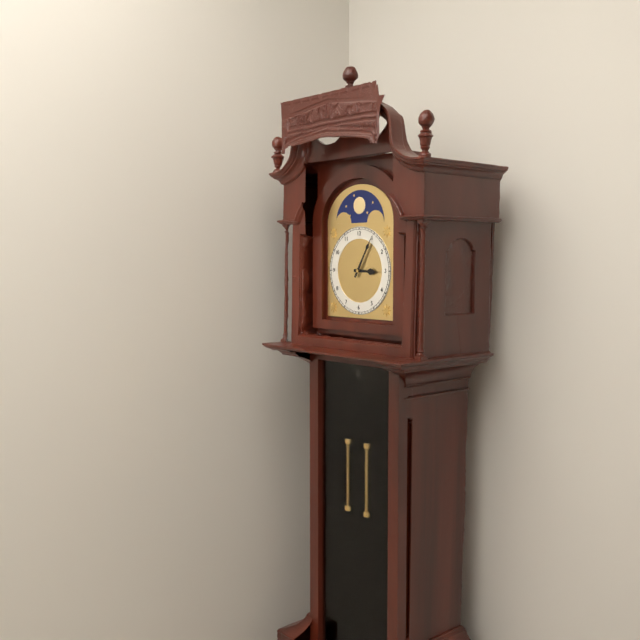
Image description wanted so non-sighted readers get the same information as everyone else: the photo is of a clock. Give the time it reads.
3:05
